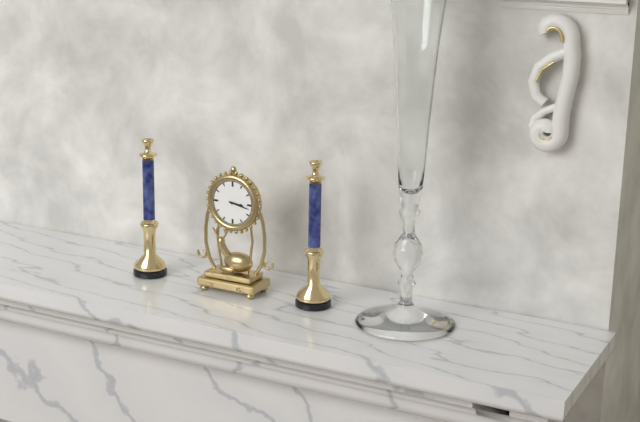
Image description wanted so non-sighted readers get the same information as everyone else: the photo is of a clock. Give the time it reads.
3:17
